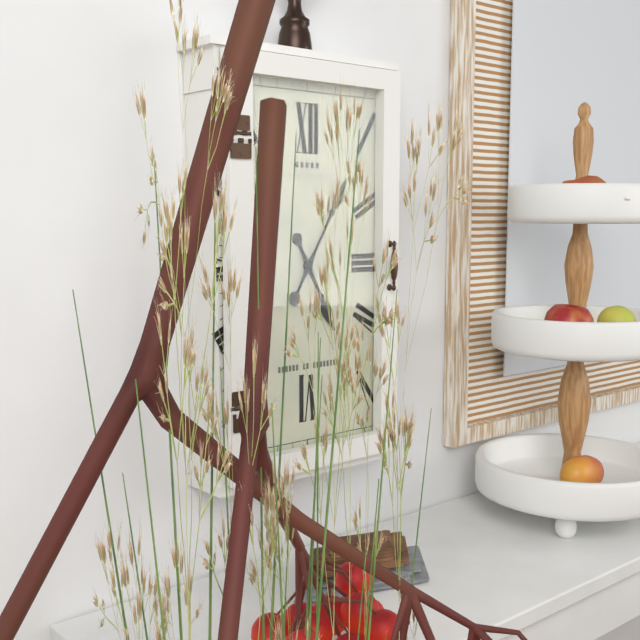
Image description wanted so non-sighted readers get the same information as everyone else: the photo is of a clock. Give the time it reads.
5:05
